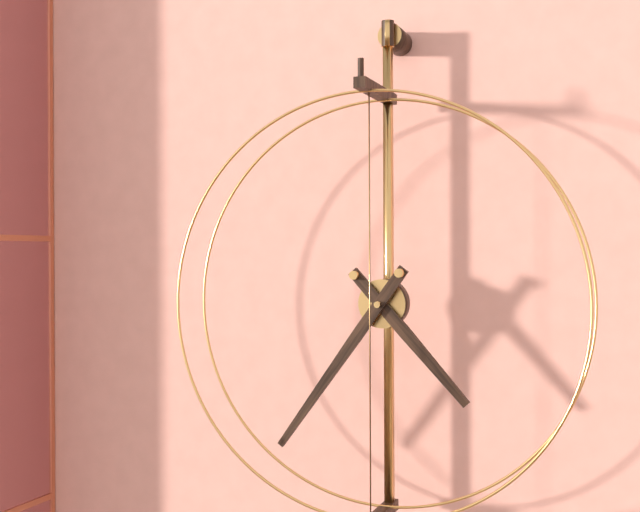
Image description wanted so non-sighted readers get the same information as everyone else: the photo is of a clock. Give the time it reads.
4:36
